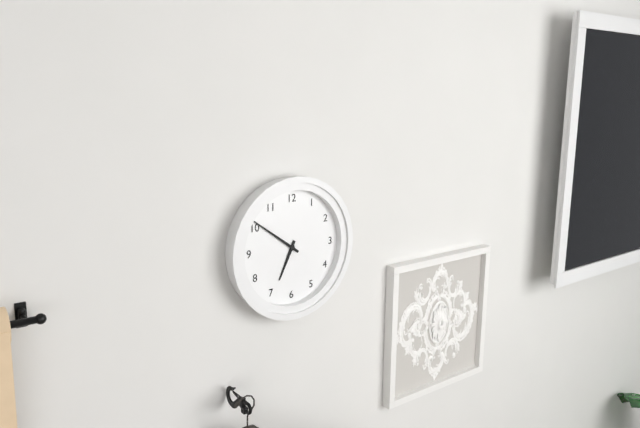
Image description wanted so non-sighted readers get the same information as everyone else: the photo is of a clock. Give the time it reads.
6:51
